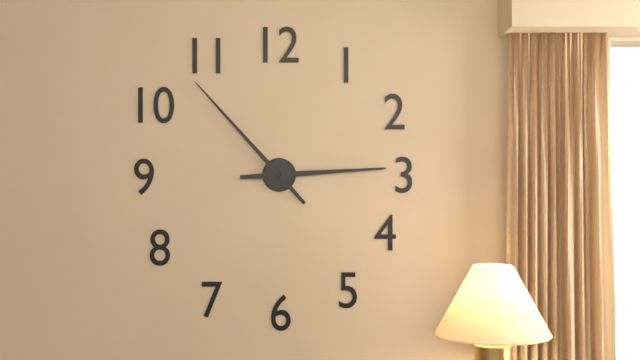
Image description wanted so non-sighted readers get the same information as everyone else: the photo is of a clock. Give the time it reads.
2:53
